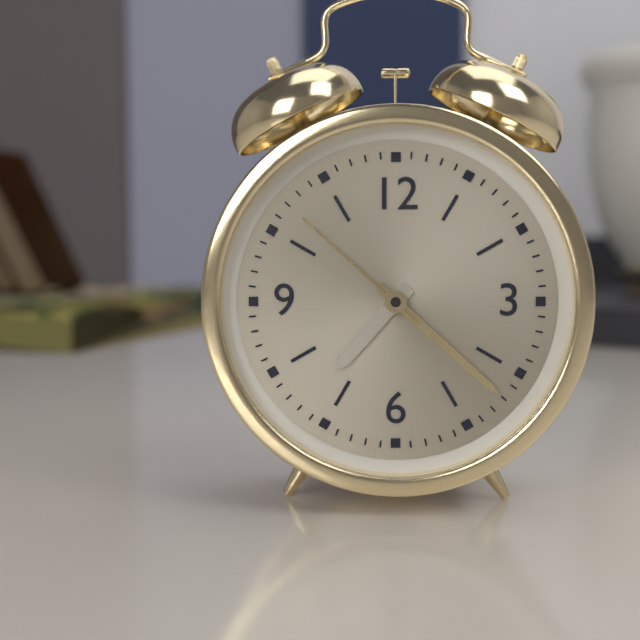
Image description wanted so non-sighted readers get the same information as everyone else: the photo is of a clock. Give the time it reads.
7:22:52
